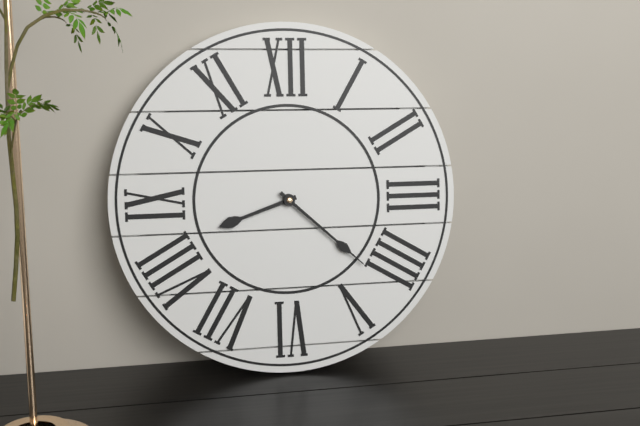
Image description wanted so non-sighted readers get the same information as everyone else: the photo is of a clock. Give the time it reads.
8:22
